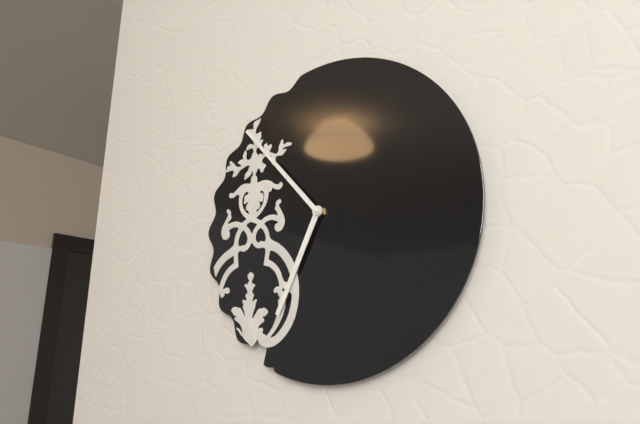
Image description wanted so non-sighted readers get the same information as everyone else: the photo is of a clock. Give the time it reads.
6:53
